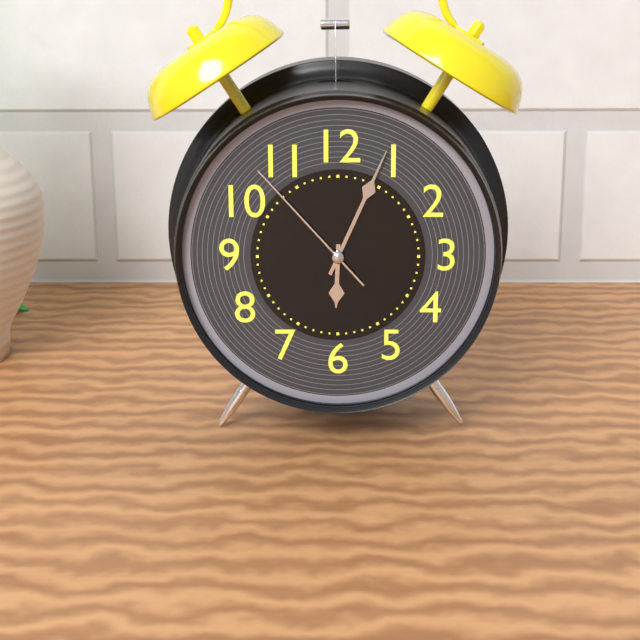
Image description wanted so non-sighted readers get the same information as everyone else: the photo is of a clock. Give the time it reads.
6:04:53
